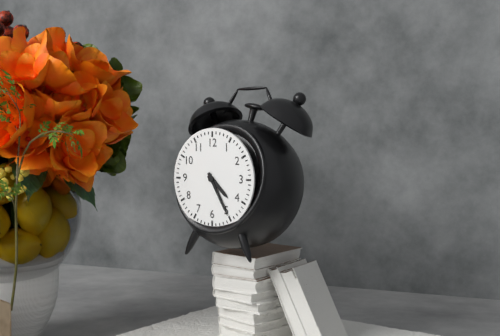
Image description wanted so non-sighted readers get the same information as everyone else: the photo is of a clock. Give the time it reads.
4:25
